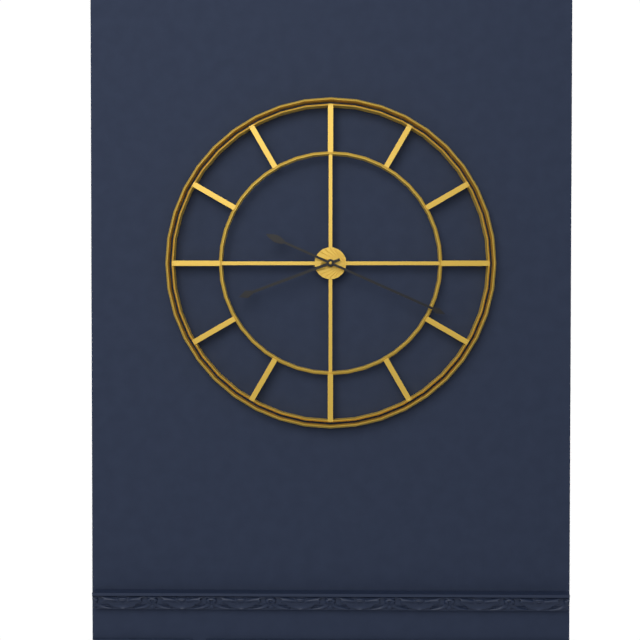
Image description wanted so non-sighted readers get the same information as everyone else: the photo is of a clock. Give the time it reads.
8:19
